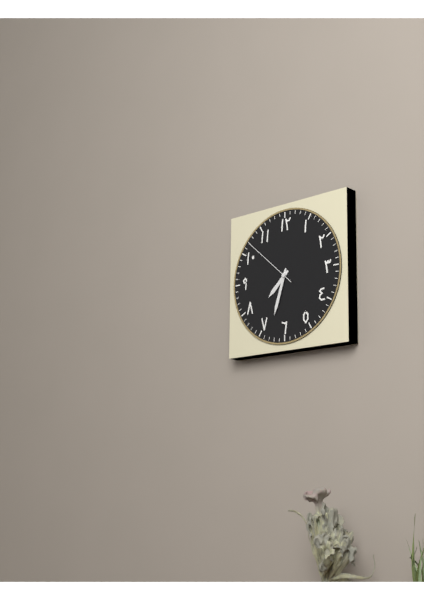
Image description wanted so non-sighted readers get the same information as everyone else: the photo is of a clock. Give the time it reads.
7:33:52
